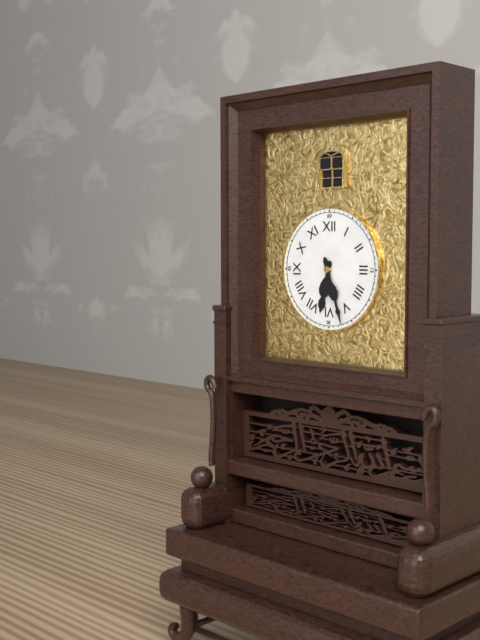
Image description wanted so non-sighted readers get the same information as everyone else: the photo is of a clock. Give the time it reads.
6:27
